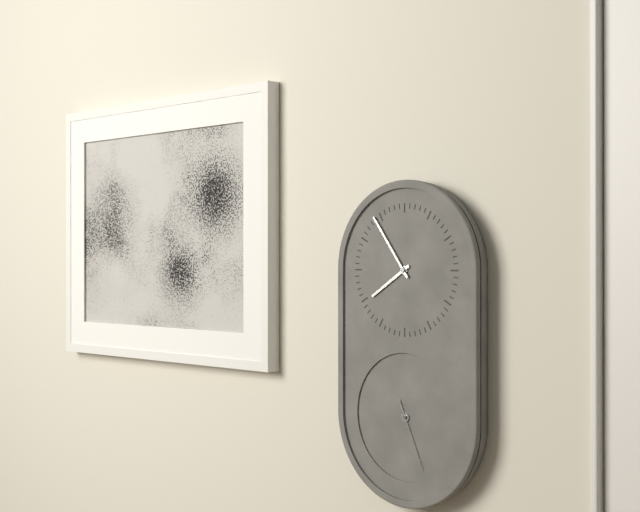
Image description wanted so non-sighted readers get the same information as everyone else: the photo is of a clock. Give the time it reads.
7:54:26
